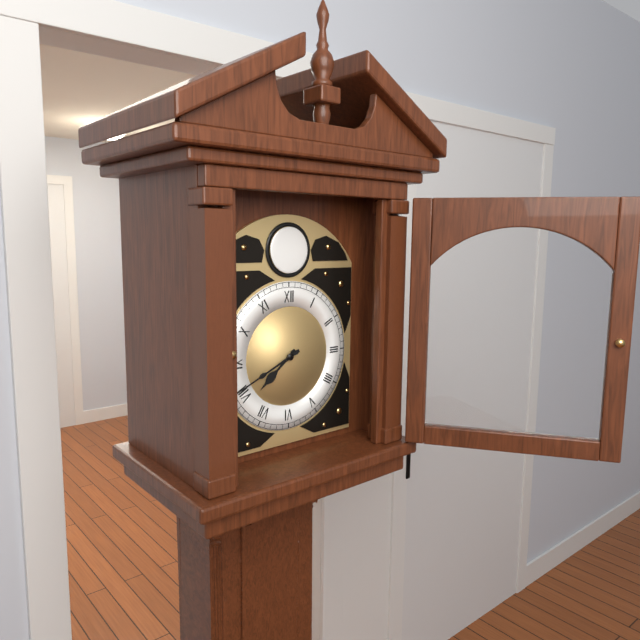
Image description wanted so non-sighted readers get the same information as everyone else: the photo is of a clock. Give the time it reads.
7:41
